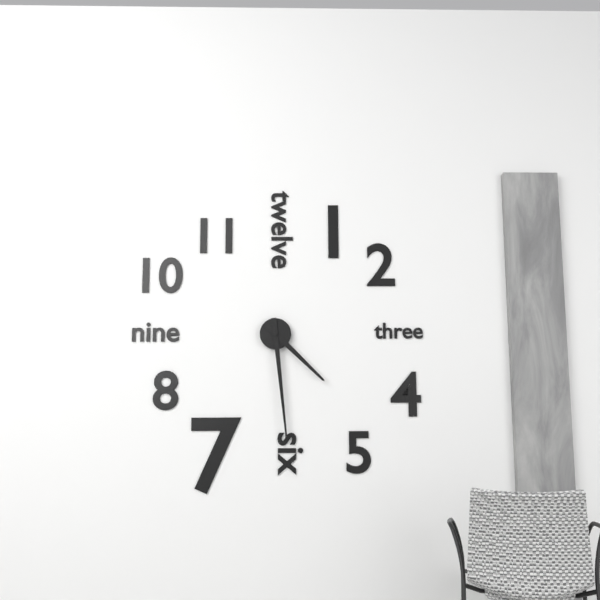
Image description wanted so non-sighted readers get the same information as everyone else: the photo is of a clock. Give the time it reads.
4:29
